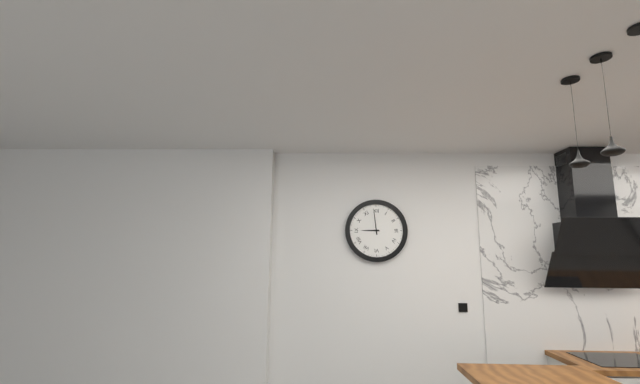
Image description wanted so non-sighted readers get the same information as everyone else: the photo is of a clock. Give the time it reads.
8:59
